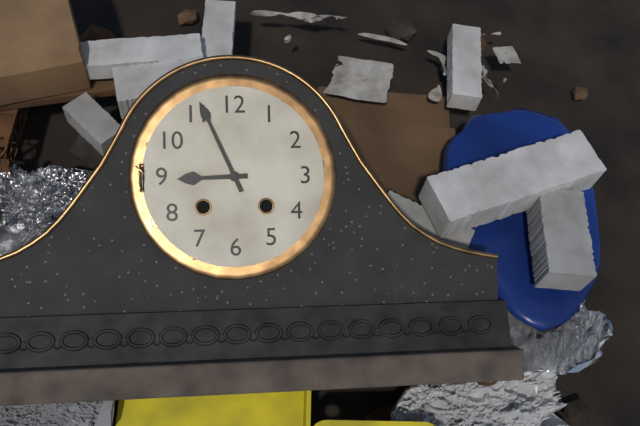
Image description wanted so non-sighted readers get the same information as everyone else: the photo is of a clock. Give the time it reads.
8:56
